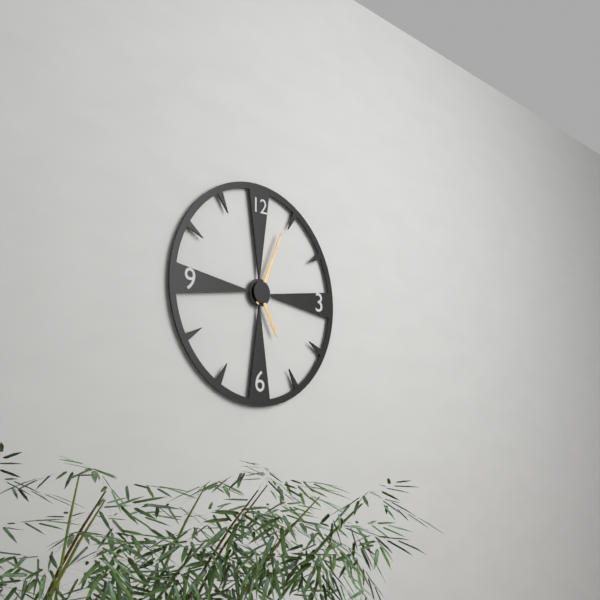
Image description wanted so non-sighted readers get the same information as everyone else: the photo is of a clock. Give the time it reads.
5:04
